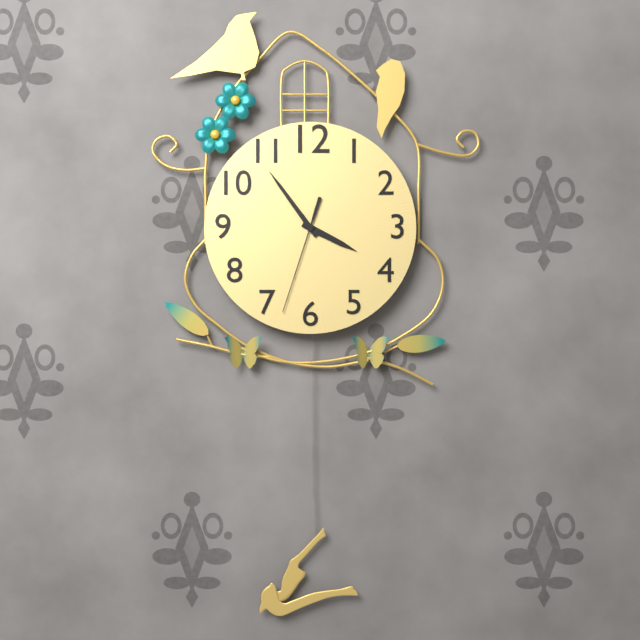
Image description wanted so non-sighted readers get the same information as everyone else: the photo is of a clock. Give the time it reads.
3:54:33
